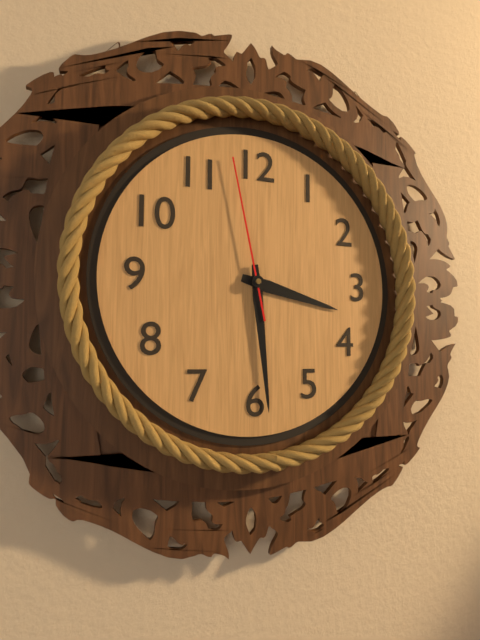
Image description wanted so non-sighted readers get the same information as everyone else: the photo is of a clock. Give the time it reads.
3:29:58
